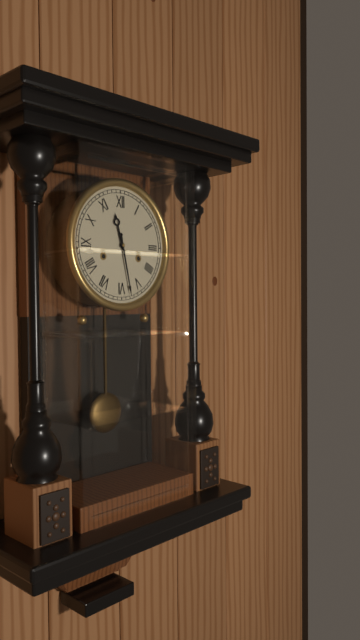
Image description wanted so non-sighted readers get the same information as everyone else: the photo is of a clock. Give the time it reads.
11:28
